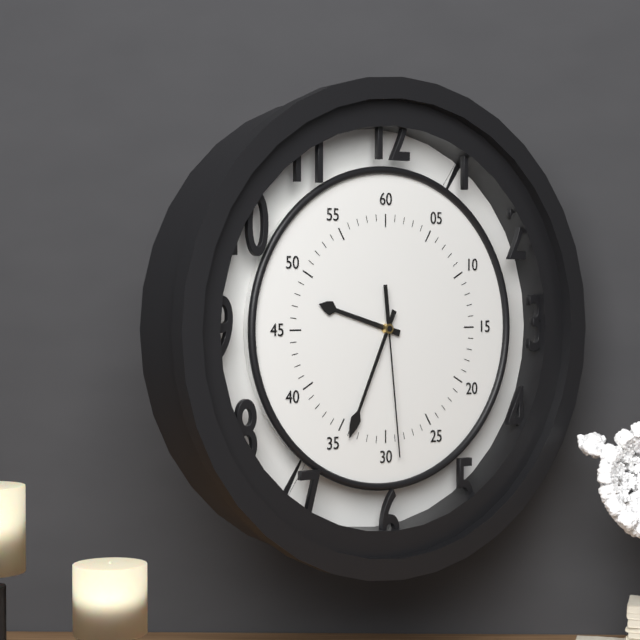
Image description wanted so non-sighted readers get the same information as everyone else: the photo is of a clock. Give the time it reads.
9:34:29
